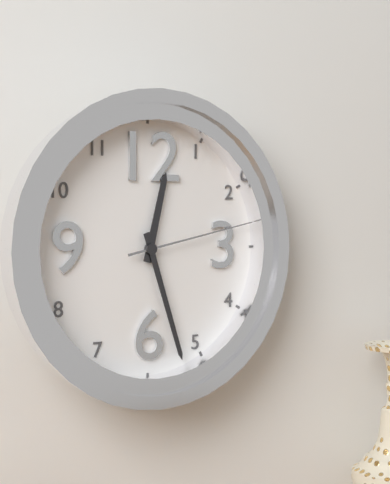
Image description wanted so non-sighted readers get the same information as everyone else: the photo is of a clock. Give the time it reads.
12:27:13
